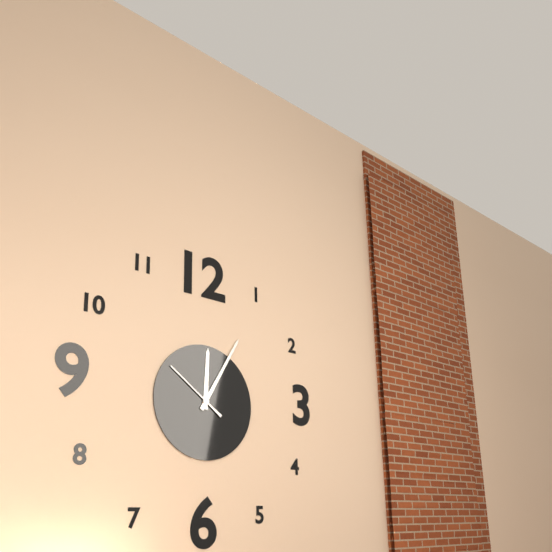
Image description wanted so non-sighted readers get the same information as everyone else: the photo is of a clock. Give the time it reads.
12:05:51
